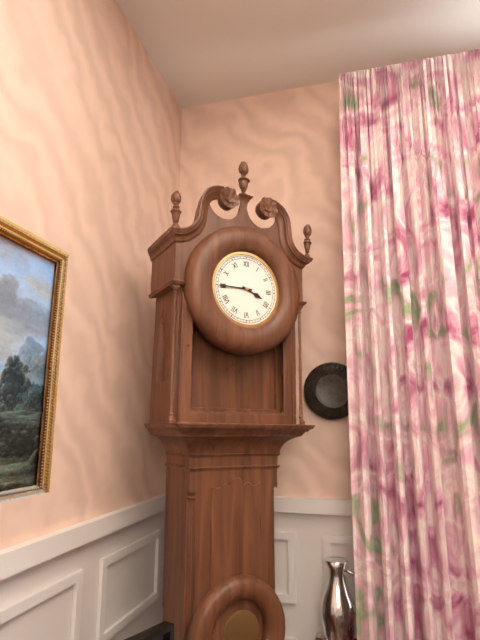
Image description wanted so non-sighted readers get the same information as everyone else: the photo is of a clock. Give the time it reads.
3:45
